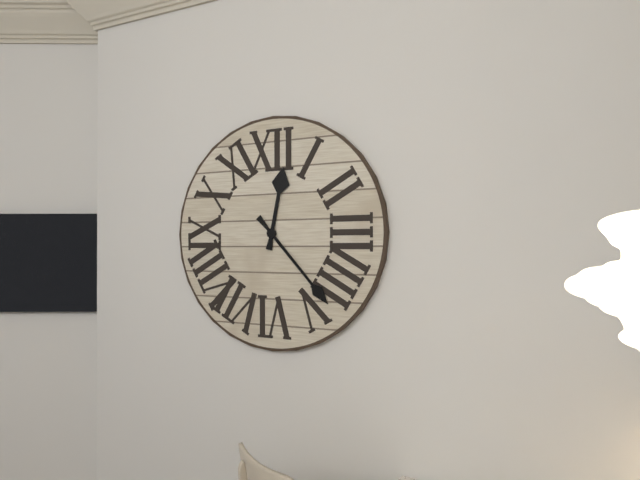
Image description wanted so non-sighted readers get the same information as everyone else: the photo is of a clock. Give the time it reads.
12:23
